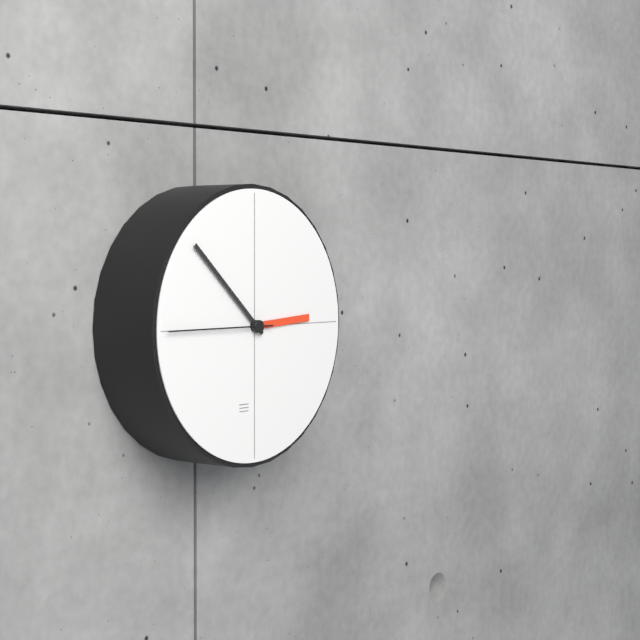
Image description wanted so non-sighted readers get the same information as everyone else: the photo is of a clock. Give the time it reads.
2:52:45
